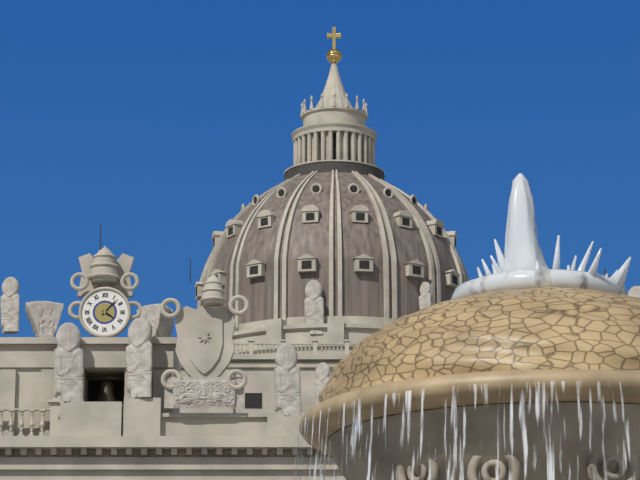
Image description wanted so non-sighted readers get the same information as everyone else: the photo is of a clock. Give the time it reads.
4:07
